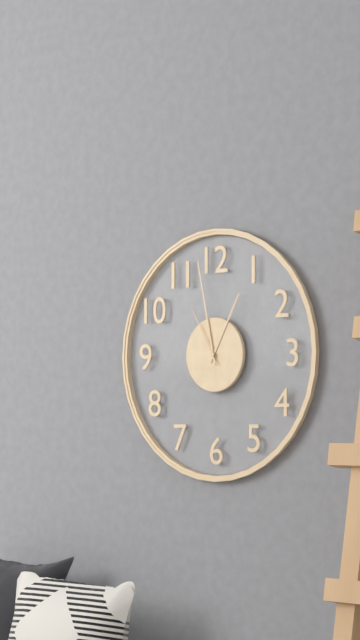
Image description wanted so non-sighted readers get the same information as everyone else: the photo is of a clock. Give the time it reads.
12:58:55
